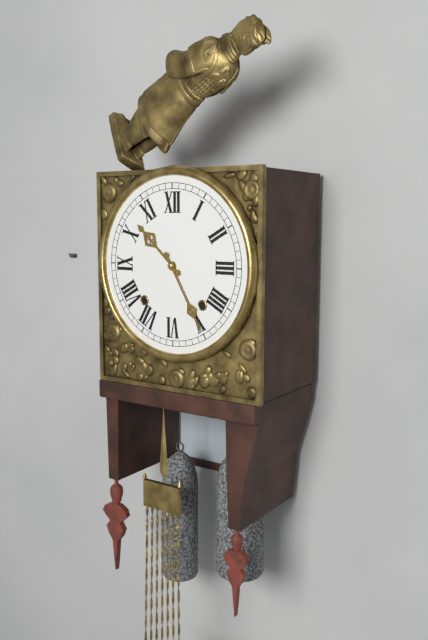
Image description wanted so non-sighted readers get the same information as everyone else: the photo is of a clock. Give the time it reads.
10:25
